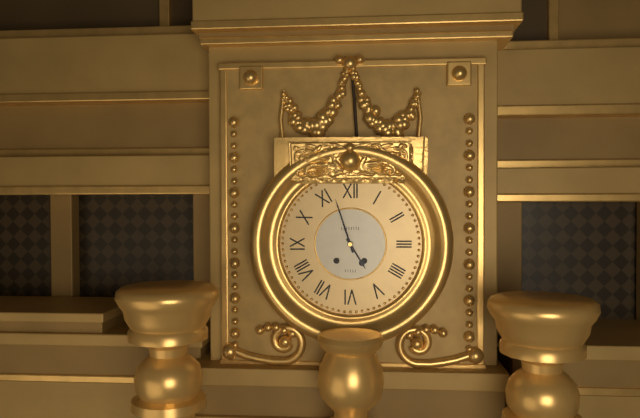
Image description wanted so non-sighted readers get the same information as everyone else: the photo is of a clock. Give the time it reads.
4:57
